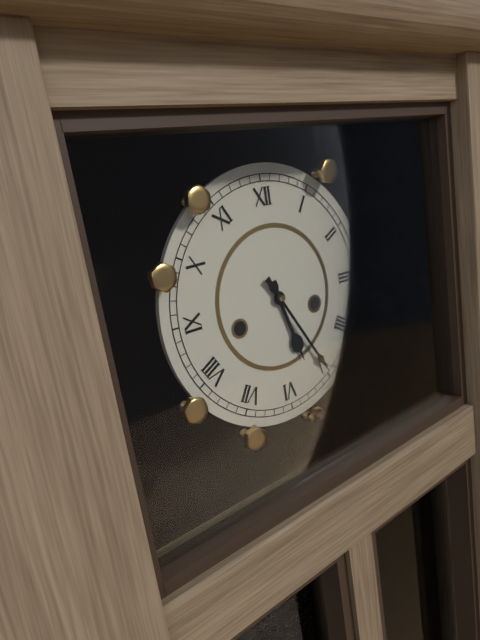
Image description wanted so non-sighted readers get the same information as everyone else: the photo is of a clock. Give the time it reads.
5:25
